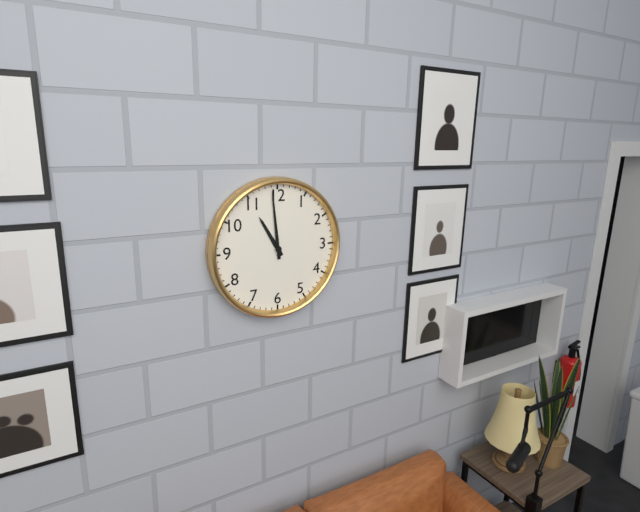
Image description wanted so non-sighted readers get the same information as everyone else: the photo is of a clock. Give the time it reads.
10:59
